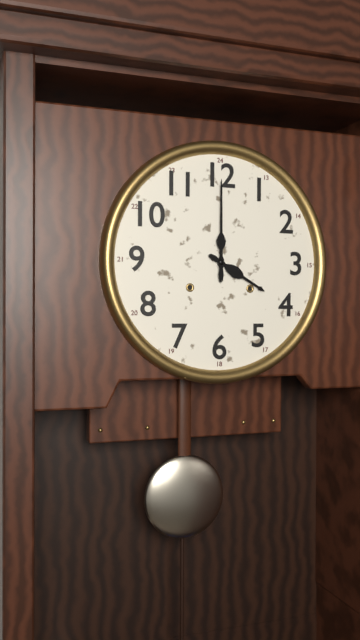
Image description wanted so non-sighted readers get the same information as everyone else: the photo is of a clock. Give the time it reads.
4:00
